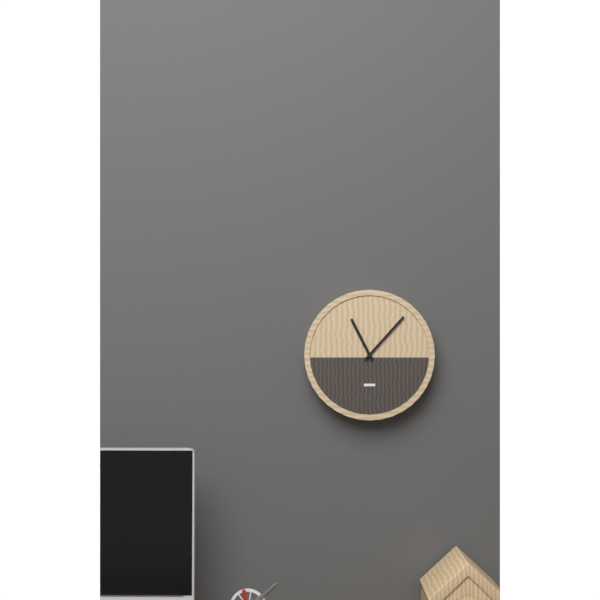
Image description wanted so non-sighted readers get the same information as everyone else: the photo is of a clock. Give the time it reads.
11:07
